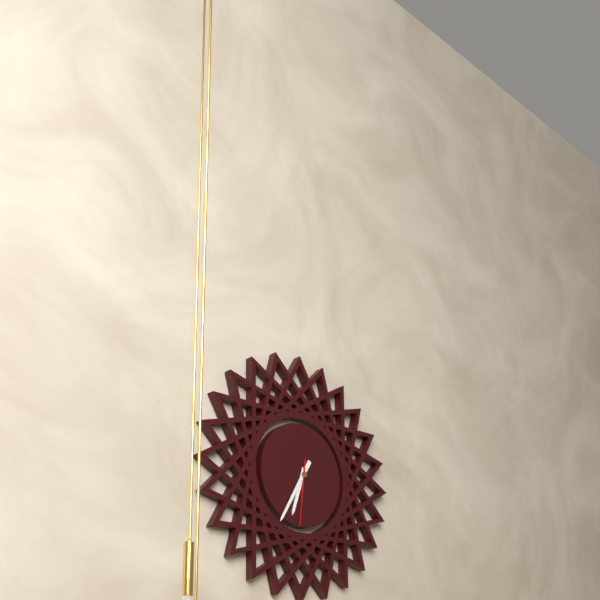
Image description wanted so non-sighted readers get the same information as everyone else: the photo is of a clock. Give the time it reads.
6:35:31
